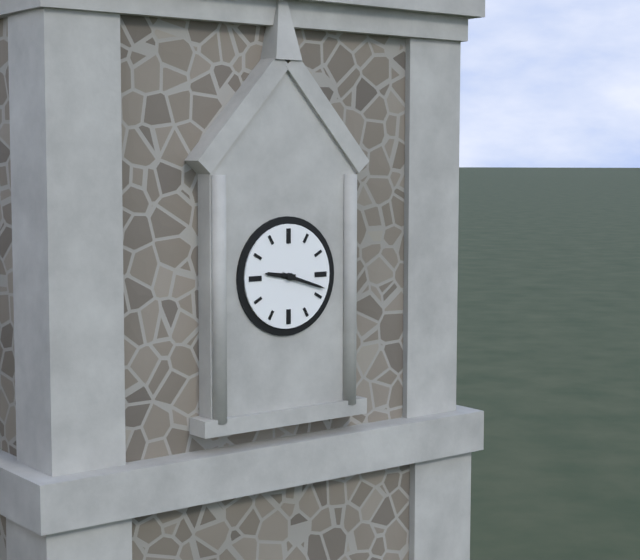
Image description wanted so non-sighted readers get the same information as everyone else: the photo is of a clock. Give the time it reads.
9:18
